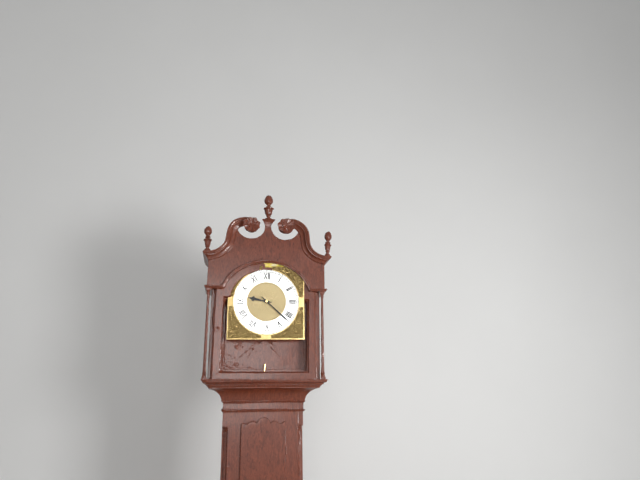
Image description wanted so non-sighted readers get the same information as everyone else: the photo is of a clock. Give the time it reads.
9:22
